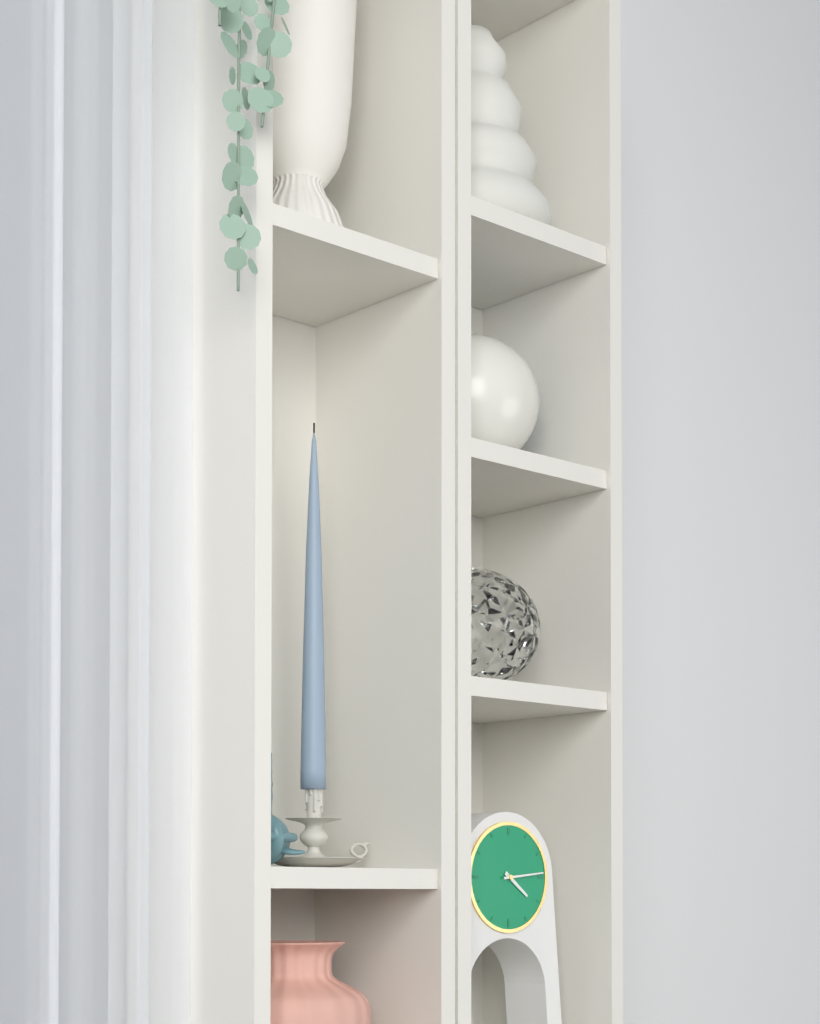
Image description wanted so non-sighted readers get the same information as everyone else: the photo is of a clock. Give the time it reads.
4:14
